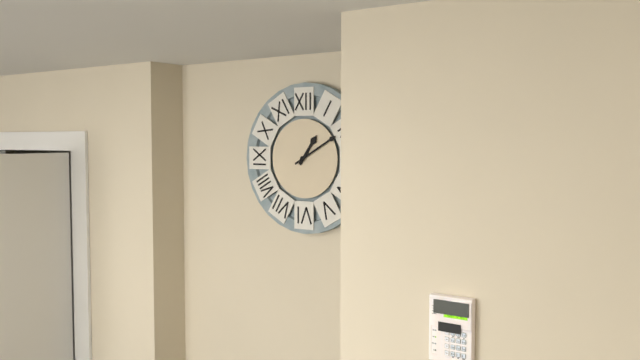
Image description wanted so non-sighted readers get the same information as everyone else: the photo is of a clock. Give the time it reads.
1:10
